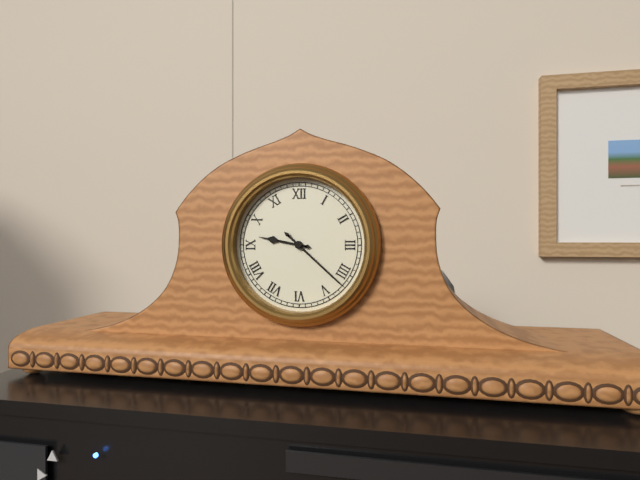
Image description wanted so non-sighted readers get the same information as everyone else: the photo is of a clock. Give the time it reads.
9:22
